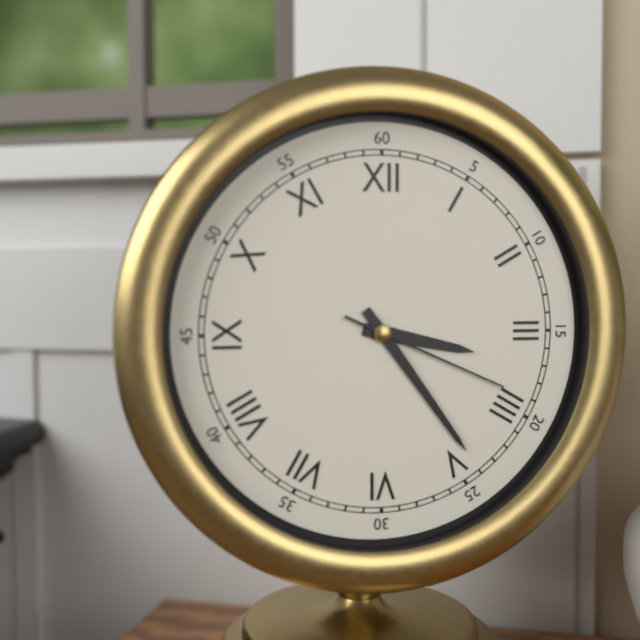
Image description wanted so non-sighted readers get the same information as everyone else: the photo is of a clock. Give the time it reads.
3:24:19
